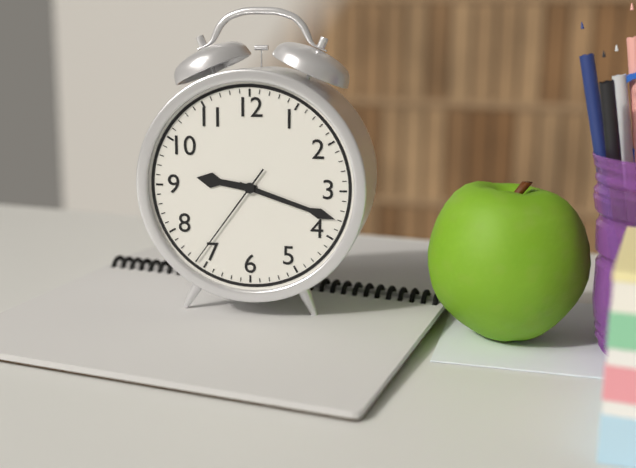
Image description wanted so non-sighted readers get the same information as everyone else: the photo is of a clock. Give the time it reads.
9:18:36
